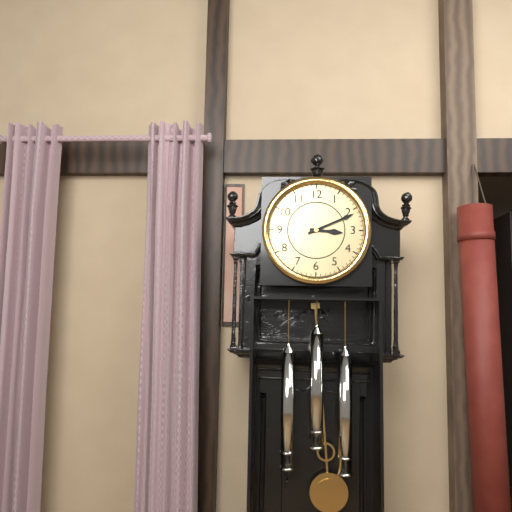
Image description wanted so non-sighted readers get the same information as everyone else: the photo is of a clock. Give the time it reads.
3:11
